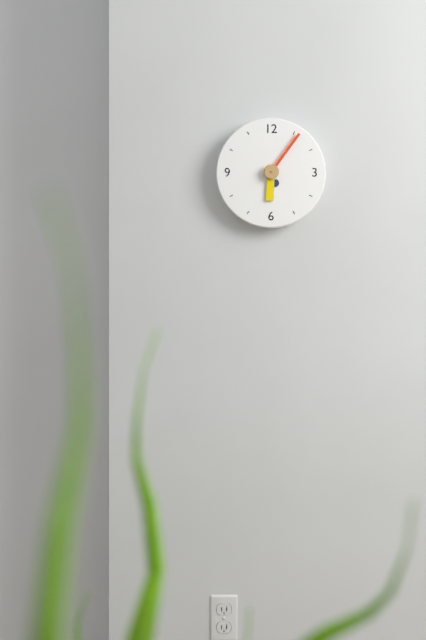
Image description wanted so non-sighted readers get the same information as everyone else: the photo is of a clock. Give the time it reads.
6:06
